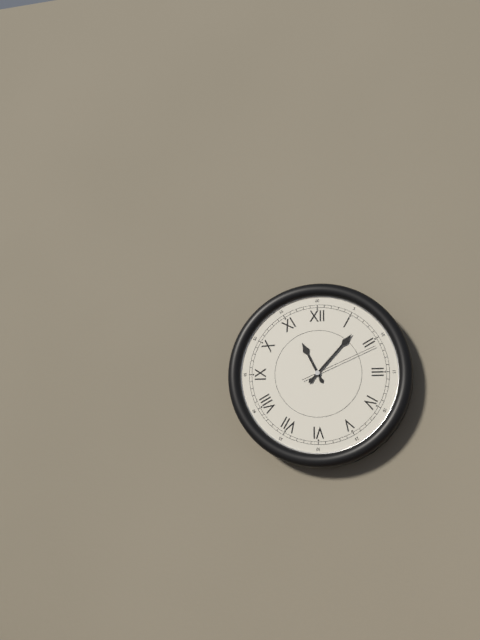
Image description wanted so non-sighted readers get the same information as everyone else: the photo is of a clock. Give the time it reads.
11:07:11
